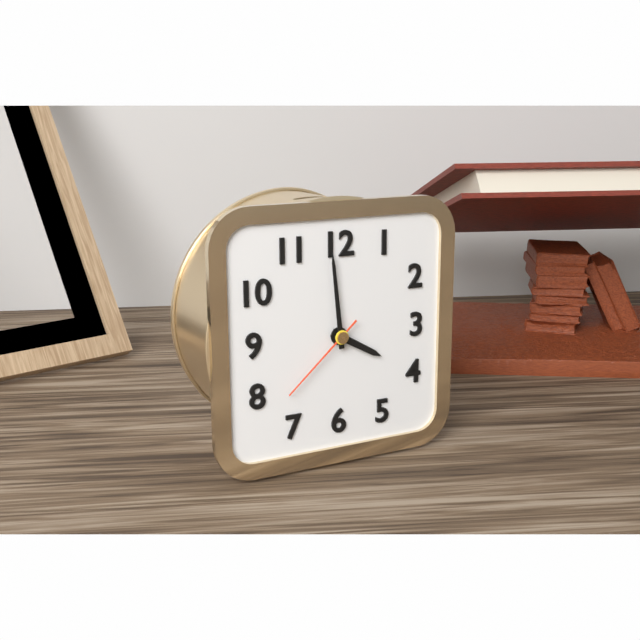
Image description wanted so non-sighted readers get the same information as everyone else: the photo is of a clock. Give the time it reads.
3:59:38
